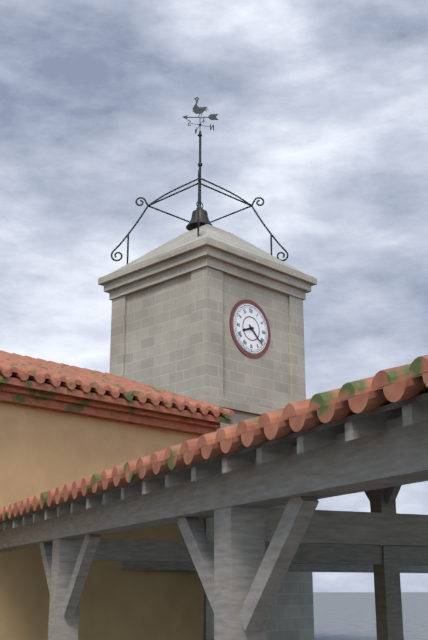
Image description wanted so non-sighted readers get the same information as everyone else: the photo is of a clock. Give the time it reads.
8:22
